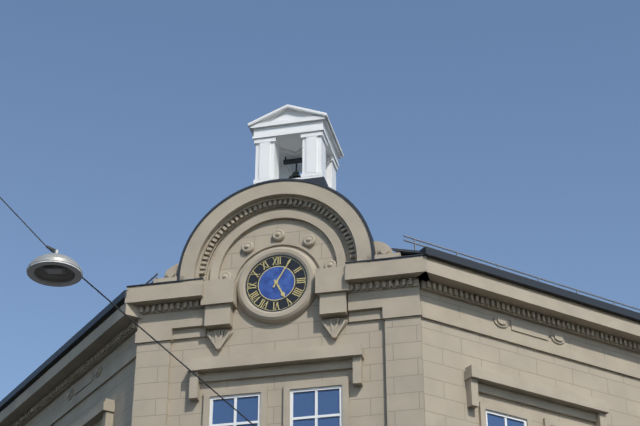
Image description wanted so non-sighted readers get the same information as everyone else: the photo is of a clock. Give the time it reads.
5:05
